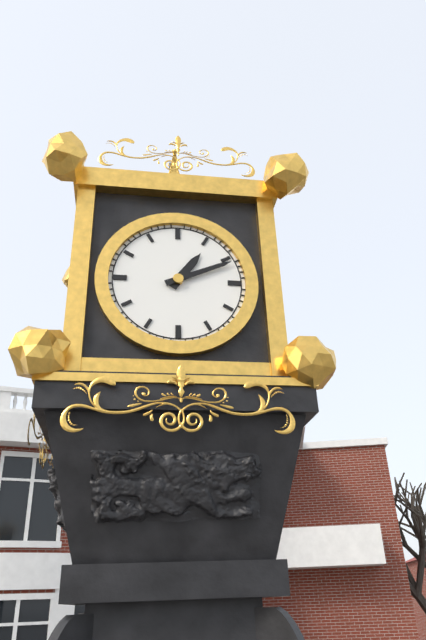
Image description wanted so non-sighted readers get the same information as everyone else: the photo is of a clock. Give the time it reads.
1:11
